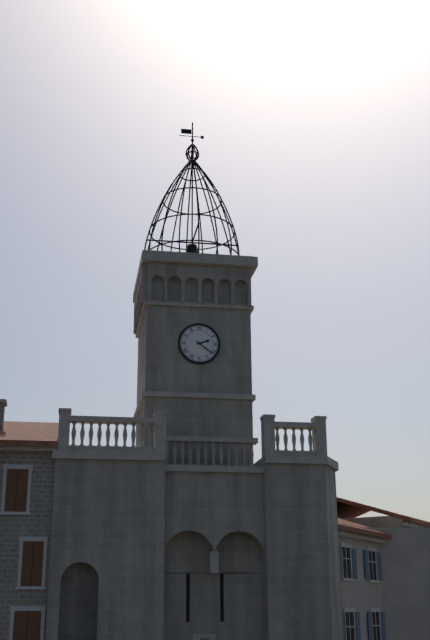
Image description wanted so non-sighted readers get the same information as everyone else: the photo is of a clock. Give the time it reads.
2:21
